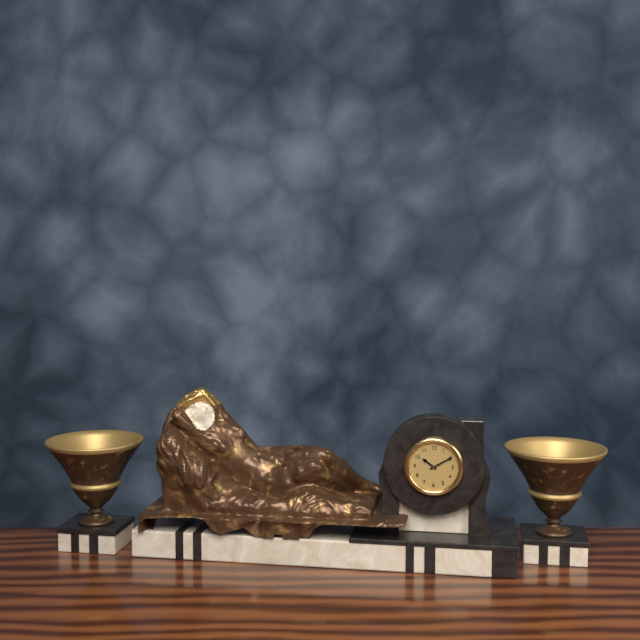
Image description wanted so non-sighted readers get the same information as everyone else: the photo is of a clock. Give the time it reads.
10:10
